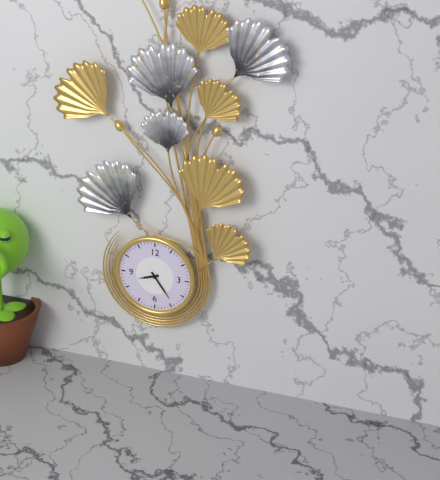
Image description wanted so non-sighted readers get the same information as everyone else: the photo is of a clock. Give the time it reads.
8:24
